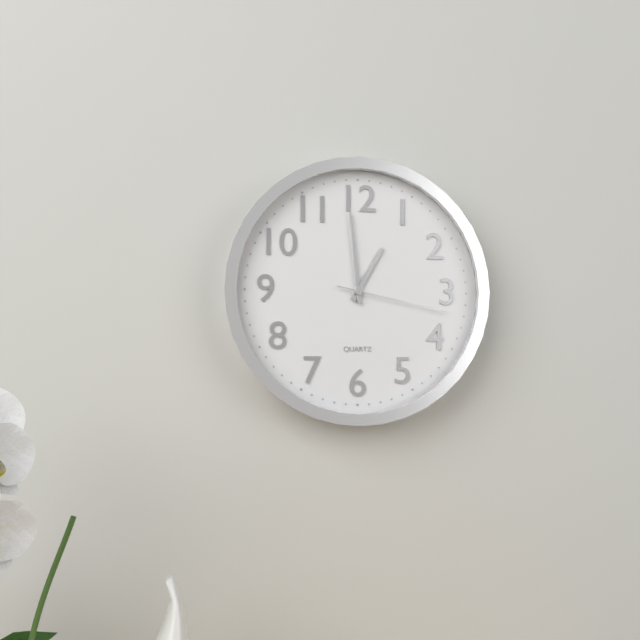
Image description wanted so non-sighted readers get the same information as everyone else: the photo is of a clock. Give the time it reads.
12:59:17
